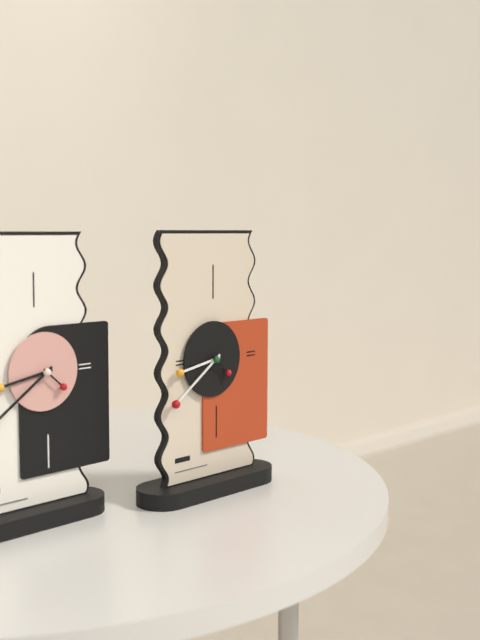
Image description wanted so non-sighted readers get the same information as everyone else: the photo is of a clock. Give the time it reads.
8:39
